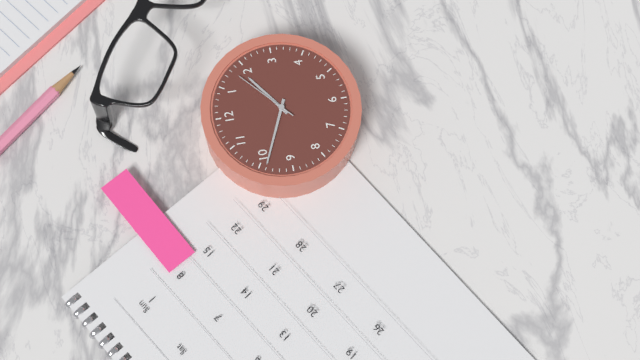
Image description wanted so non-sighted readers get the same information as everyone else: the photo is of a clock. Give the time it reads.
1:49:08
